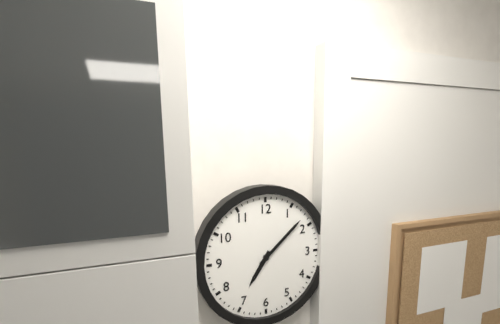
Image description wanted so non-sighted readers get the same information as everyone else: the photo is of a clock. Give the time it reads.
7:08
